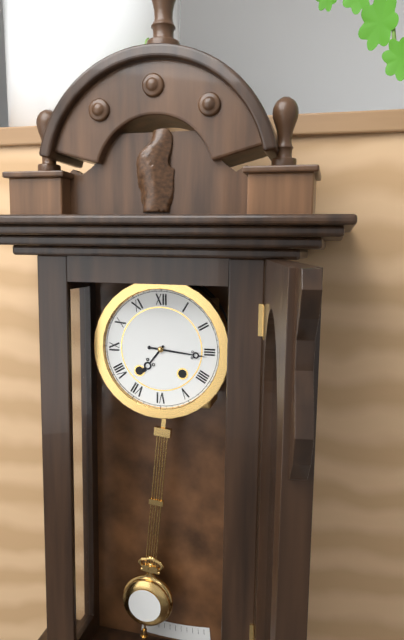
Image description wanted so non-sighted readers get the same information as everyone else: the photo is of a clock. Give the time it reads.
7:16
